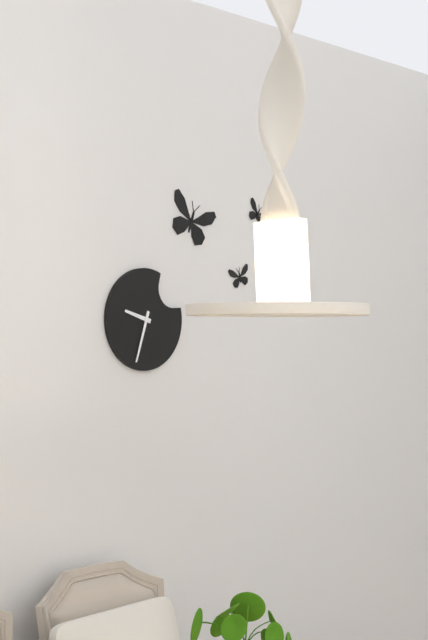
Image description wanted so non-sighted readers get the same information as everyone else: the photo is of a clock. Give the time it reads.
9:33
